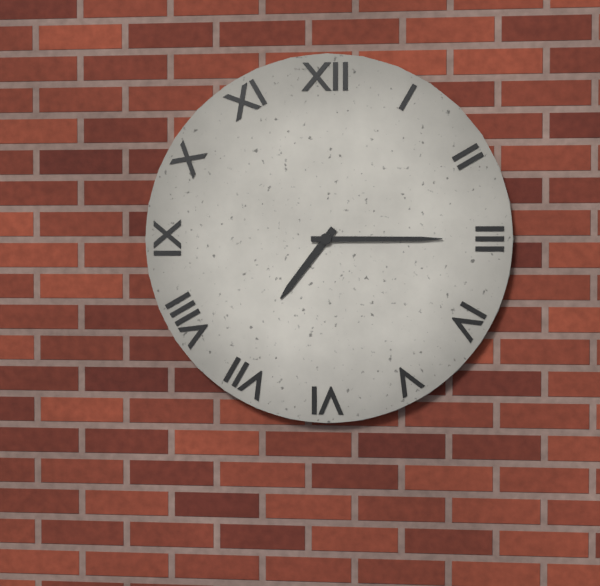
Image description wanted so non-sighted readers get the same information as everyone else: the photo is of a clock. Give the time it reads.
7:15
